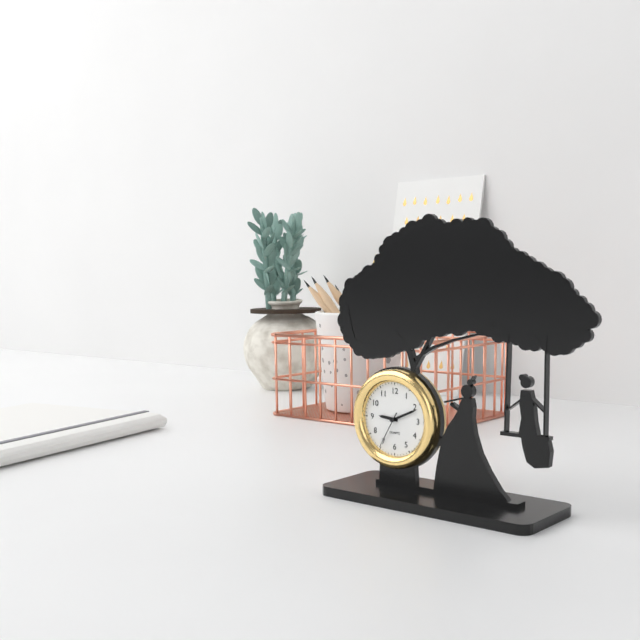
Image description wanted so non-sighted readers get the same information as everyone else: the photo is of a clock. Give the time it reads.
9:11
